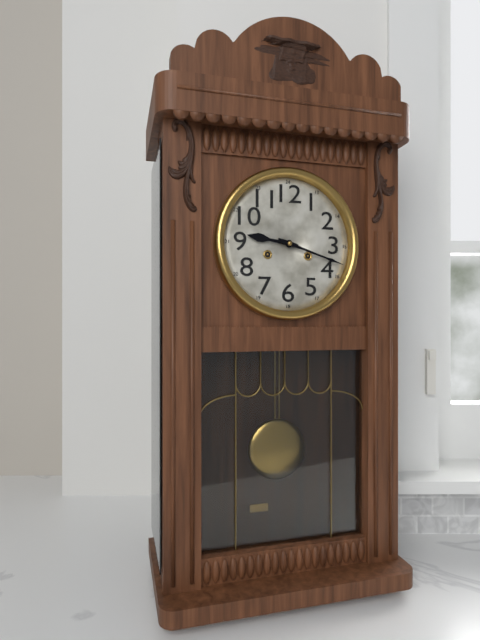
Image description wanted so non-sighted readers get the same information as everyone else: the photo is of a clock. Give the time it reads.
9:18
